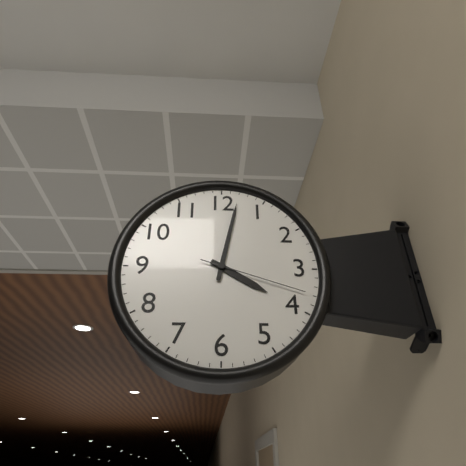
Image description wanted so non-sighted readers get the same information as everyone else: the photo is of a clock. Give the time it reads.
4:02:18
